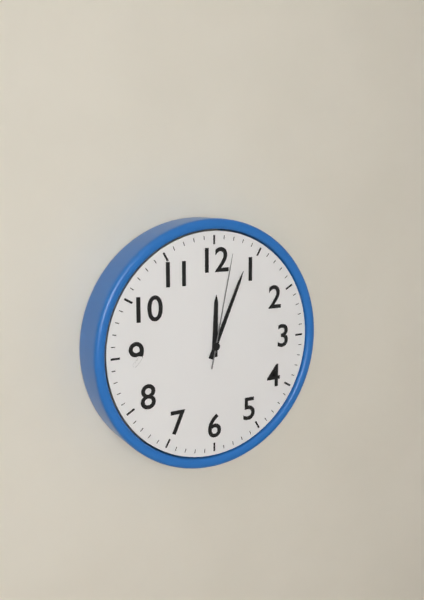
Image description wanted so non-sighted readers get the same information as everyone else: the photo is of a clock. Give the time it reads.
12:04:02
